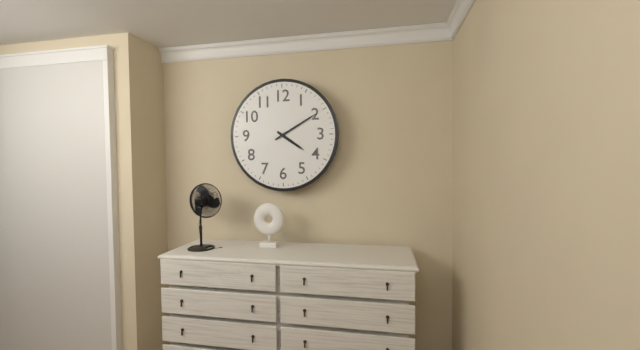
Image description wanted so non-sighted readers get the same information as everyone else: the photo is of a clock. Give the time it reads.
4:10
